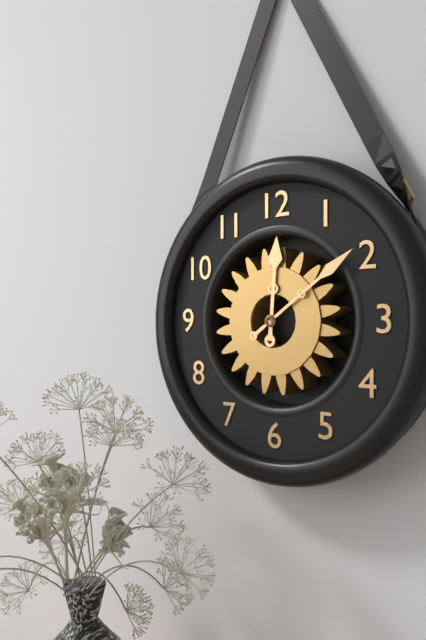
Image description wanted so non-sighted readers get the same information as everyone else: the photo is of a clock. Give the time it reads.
12:09
